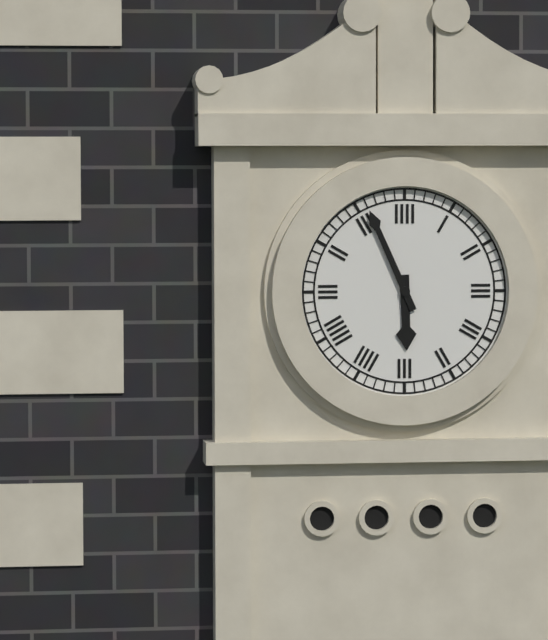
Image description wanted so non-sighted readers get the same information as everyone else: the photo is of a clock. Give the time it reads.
5:56
